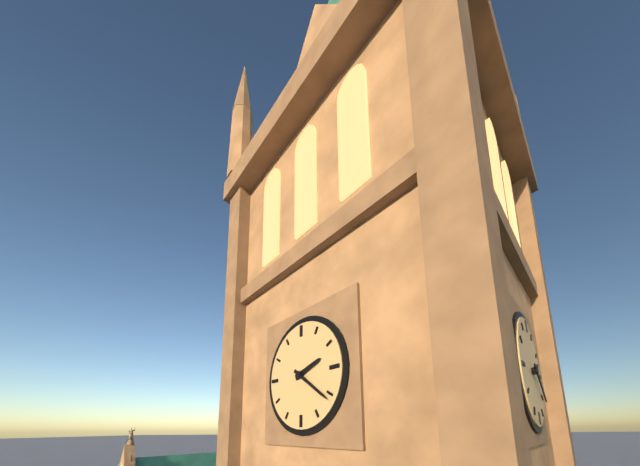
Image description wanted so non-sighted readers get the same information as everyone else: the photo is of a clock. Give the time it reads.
2:21
